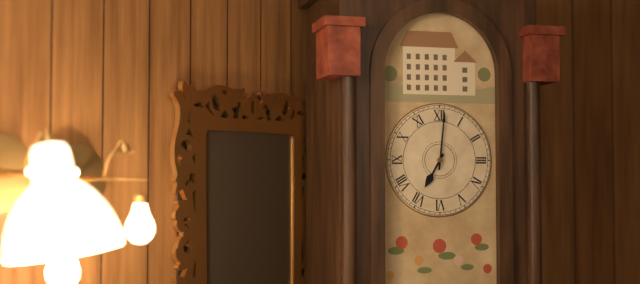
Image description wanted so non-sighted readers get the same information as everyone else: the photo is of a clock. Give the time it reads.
7:01
